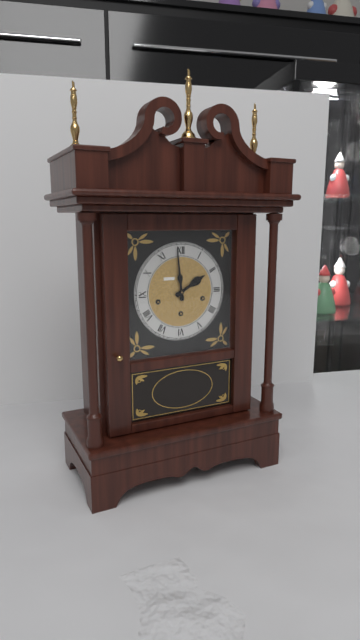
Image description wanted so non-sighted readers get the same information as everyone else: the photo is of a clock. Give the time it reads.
1:59
